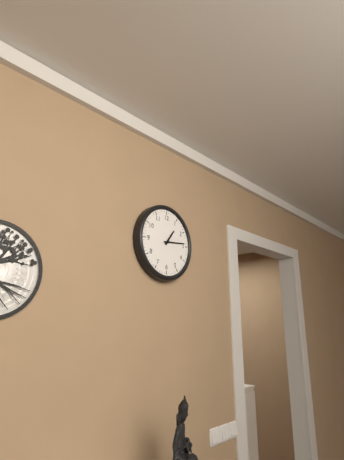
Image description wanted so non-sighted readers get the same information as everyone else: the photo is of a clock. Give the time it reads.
1:14
